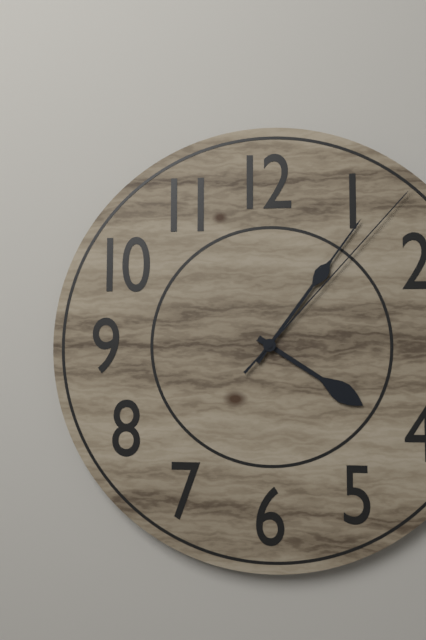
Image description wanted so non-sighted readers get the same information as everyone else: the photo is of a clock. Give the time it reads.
4:06:07
